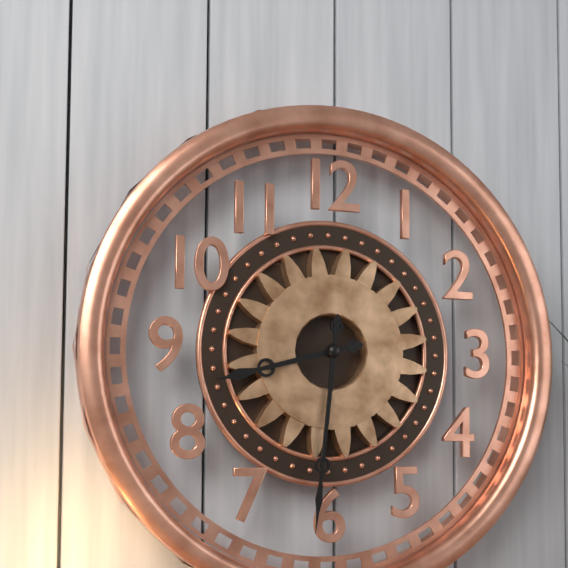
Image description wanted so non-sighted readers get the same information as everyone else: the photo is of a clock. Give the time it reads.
8:31
